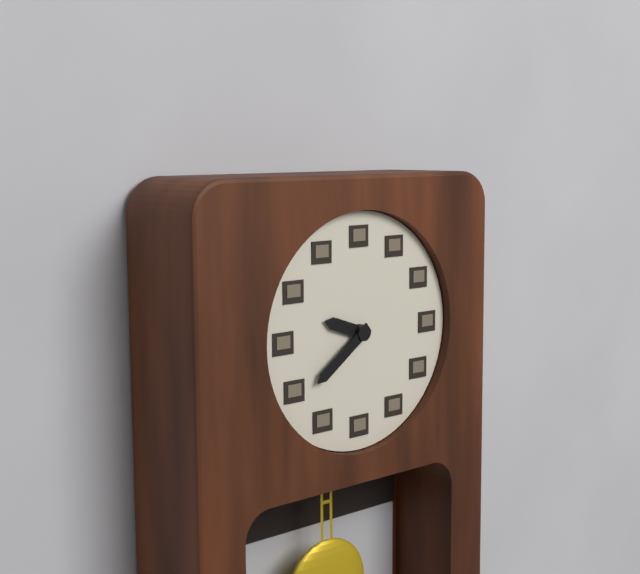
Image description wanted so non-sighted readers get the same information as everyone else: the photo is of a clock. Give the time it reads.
9:39
